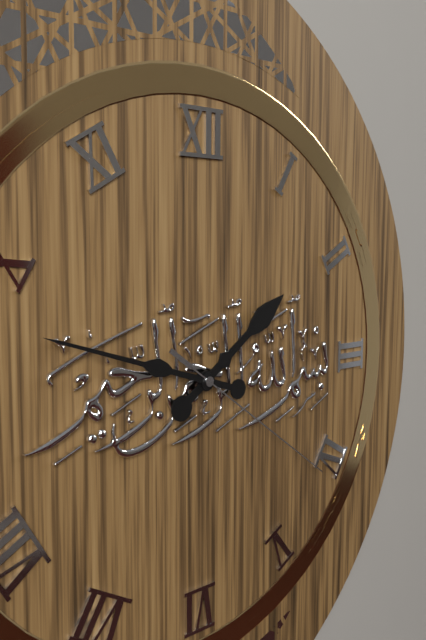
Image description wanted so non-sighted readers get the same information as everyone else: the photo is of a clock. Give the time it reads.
1:48:21
